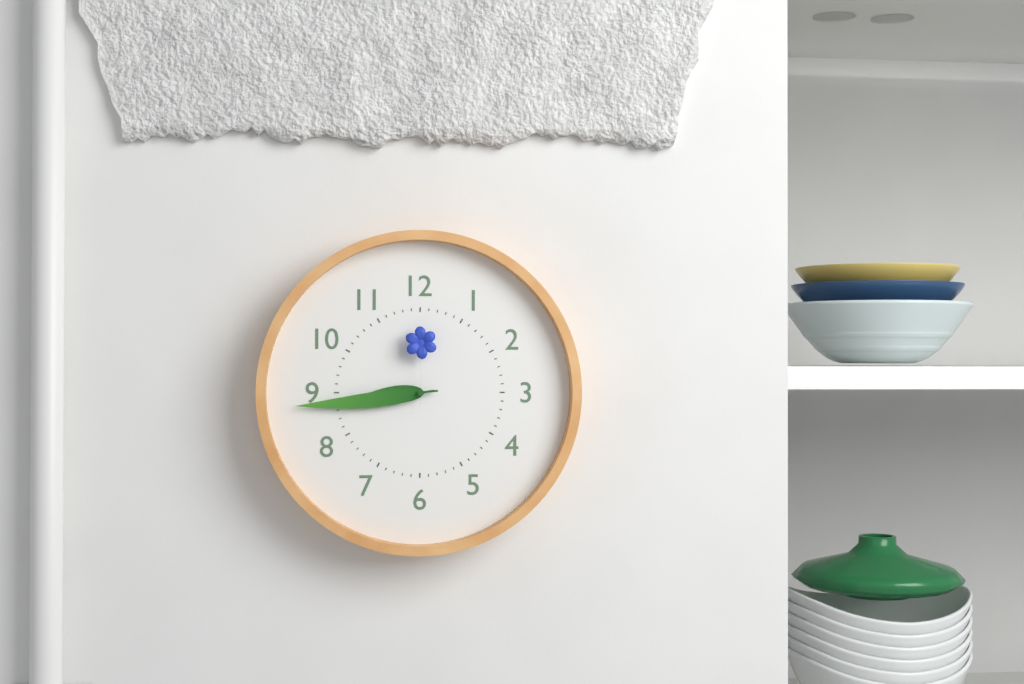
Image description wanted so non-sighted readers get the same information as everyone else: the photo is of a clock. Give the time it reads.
8:44:00
